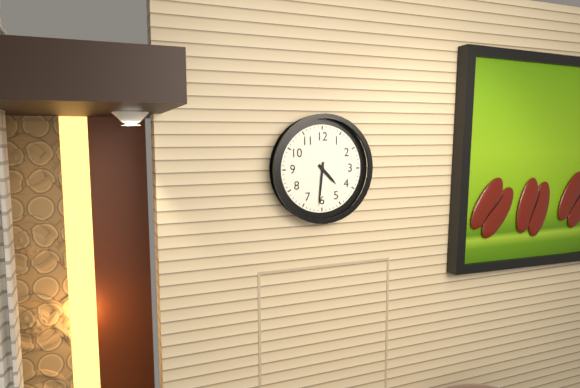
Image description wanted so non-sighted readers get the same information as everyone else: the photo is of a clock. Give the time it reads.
4:31
